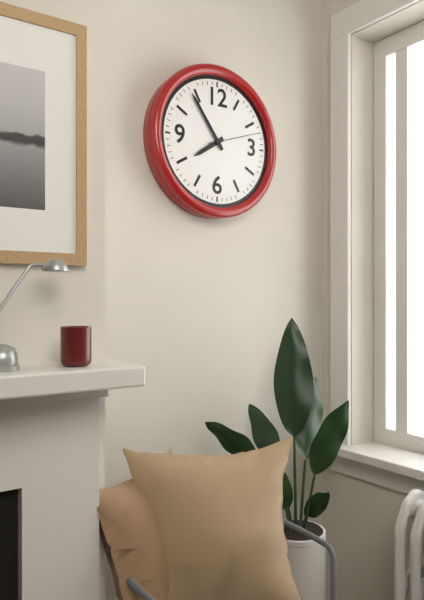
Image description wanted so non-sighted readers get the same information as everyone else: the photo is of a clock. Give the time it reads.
7:54:12
